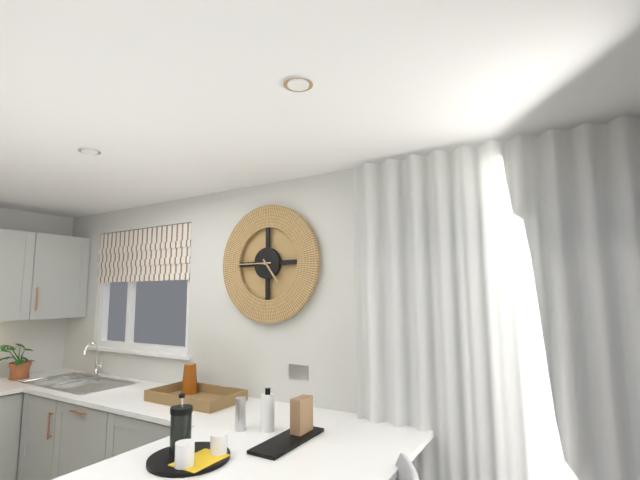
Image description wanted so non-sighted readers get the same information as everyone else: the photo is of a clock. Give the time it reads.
4:45
